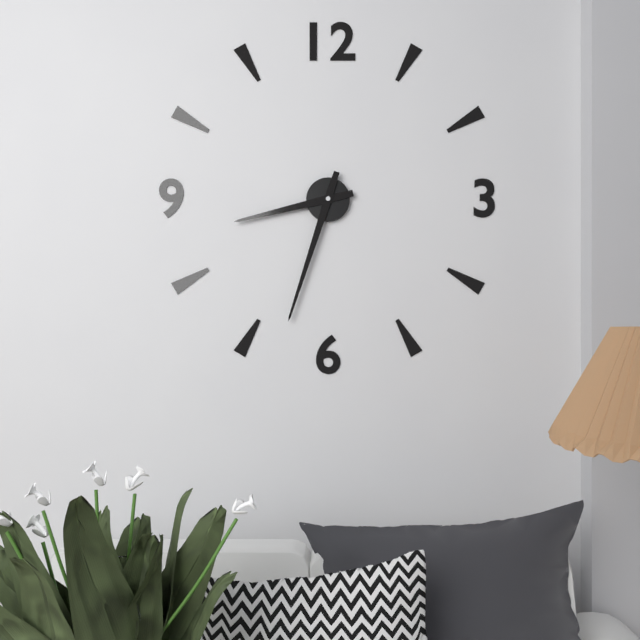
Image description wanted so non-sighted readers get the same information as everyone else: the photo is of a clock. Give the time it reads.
8:33
